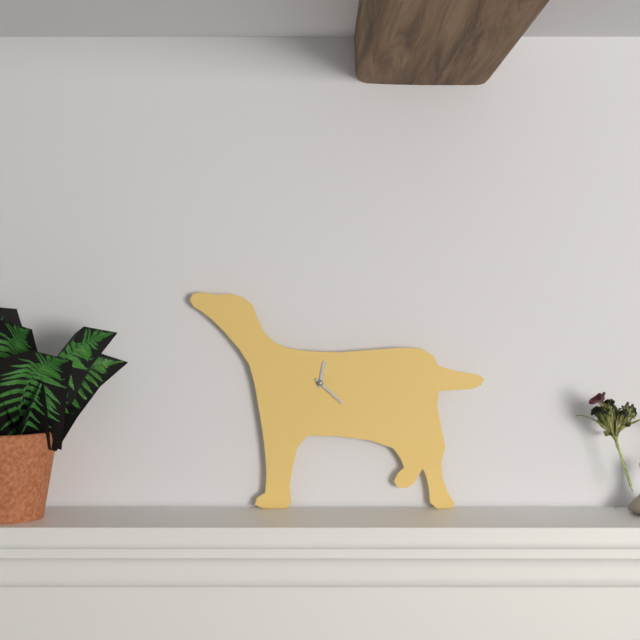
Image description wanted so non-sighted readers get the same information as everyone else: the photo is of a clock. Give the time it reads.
12:22
